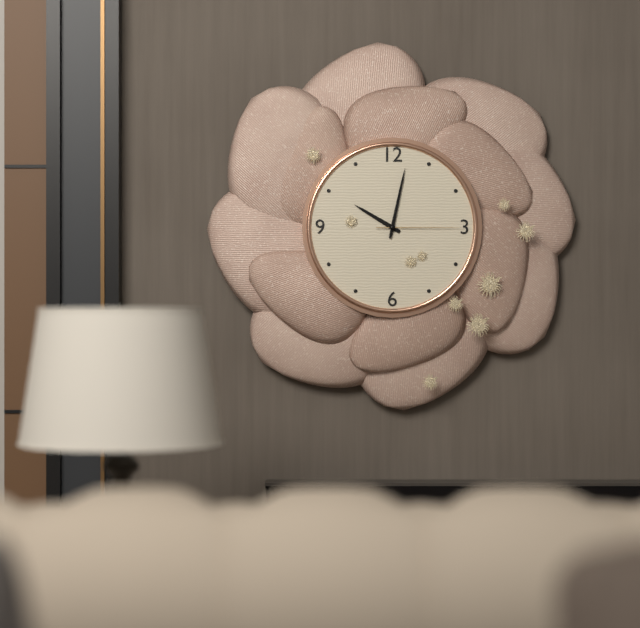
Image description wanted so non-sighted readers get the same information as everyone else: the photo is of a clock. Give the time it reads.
10:02:15
